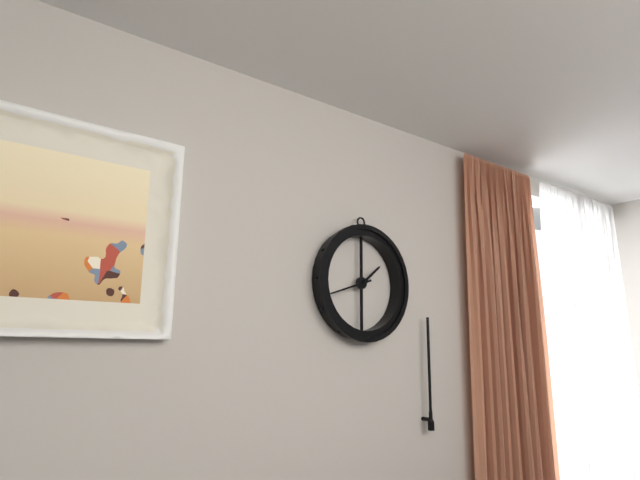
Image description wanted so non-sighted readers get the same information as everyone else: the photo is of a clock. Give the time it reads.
1:42
